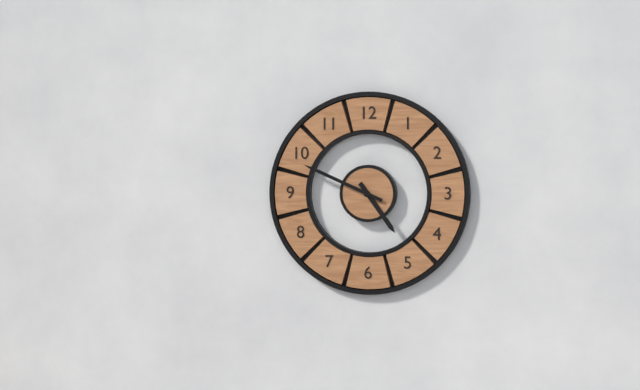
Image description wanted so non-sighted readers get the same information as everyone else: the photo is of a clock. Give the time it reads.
4:49
